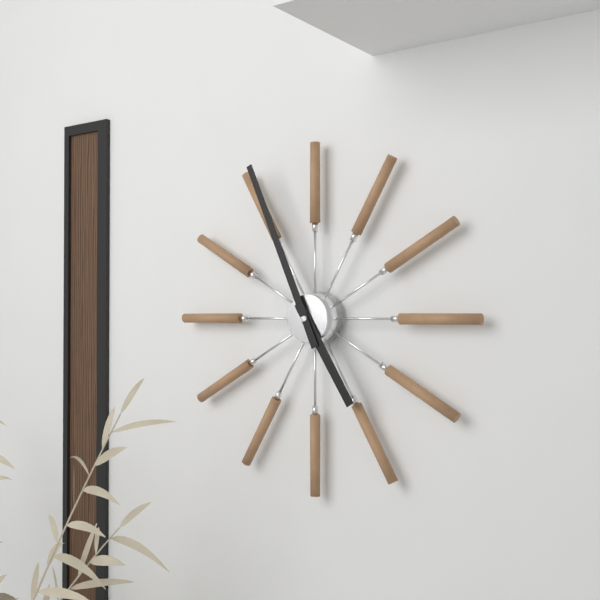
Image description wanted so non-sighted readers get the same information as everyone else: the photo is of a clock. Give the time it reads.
4:56
